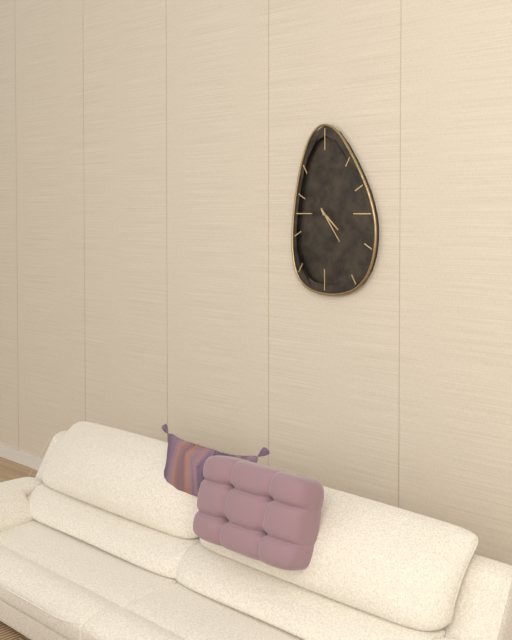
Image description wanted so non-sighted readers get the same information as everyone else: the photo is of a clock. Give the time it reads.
4:24
